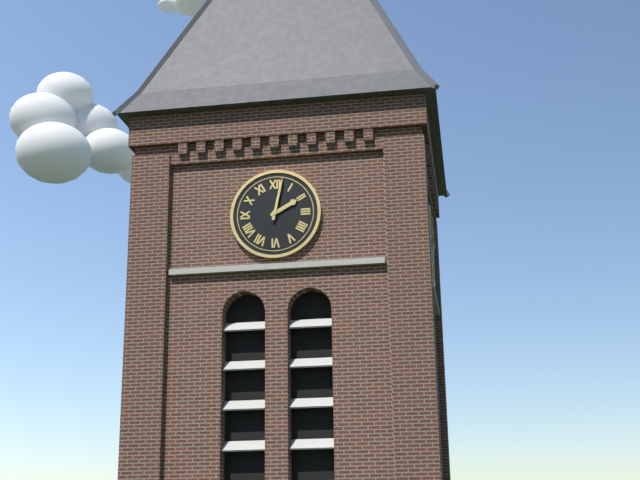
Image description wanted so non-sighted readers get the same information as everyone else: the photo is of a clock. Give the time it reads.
2:02
